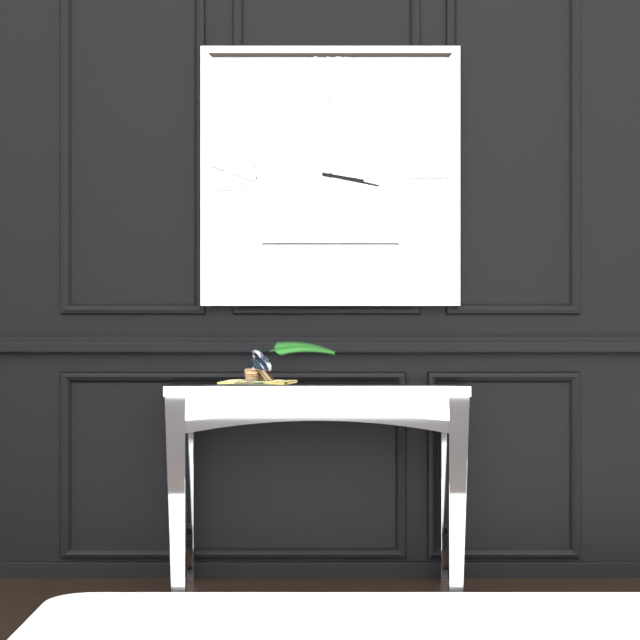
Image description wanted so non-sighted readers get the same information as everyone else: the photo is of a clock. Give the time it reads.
3:17
